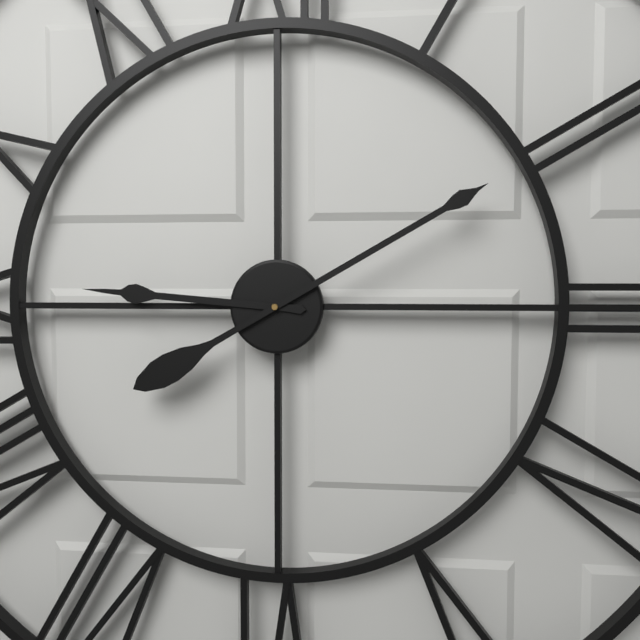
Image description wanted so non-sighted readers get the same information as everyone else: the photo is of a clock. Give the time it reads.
9:10
